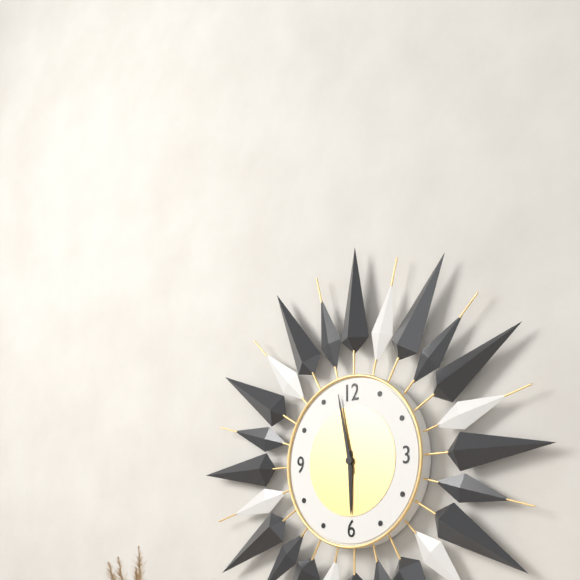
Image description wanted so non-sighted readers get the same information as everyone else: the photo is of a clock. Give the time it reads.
5:58
